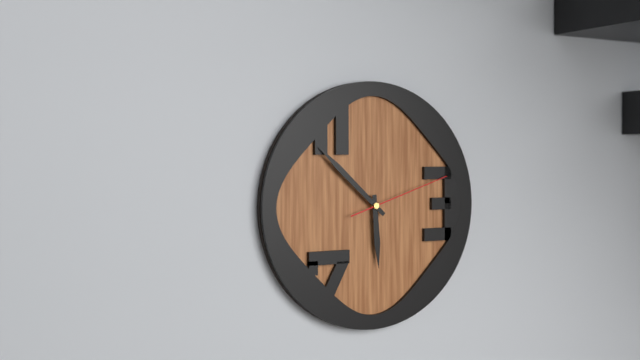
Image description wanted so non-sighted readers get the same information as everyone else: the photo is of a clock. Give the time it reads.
5:52:12
